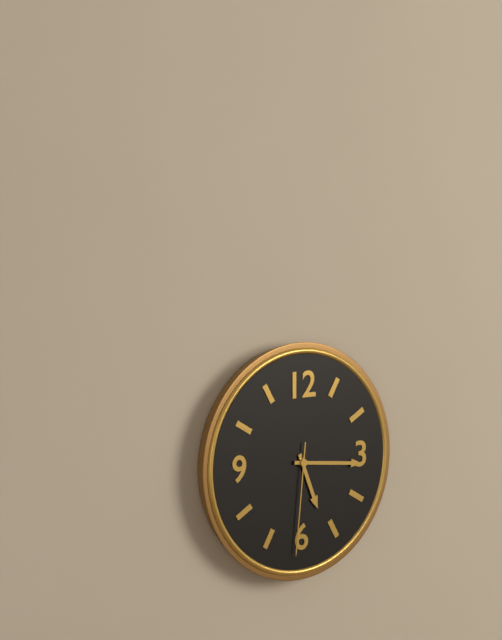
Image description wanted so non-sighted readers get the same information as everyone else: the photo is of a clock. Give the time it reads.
5:16:31
